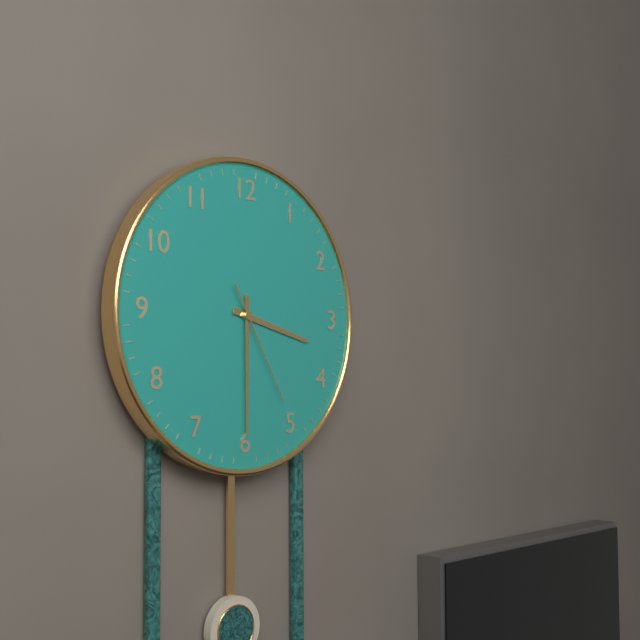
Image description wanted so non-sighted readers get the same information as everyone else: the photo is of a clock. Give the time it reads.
3:30:25
